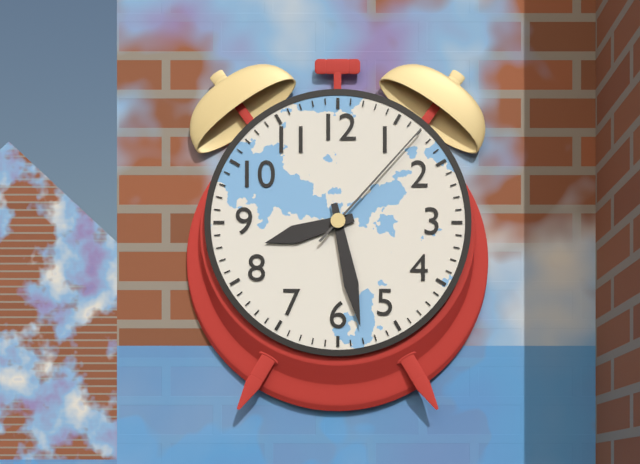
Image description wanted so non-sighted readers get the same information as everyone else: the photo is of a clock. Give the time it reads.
8:28:07
